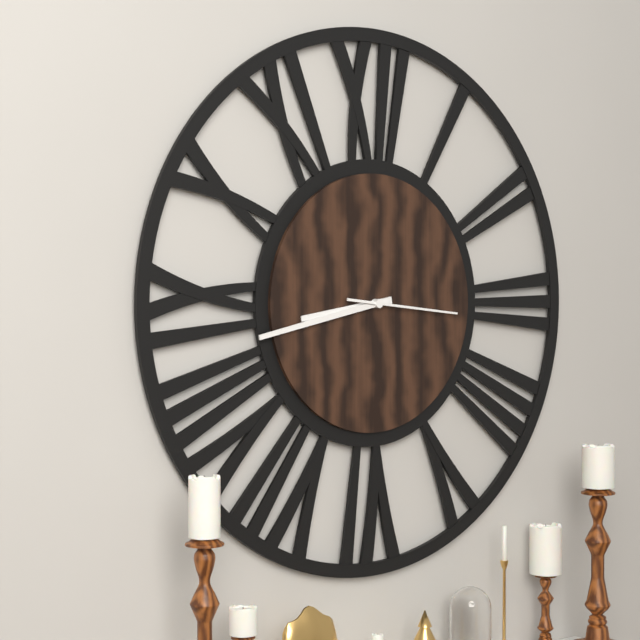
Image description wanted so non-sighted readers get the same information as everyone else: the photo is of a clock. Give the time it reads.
8:43:16
